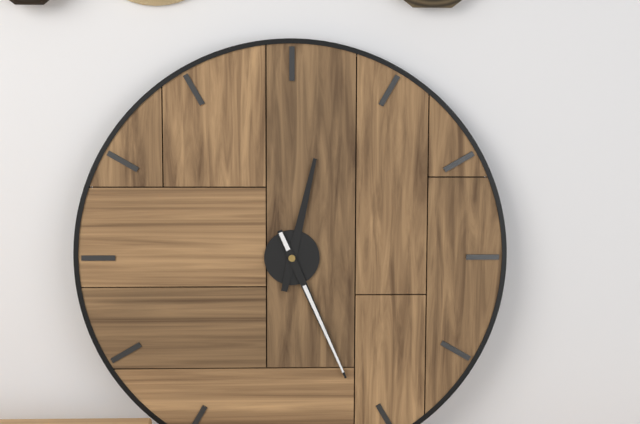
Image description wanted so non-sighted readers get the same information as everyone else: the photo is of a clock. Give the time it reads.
12:26
